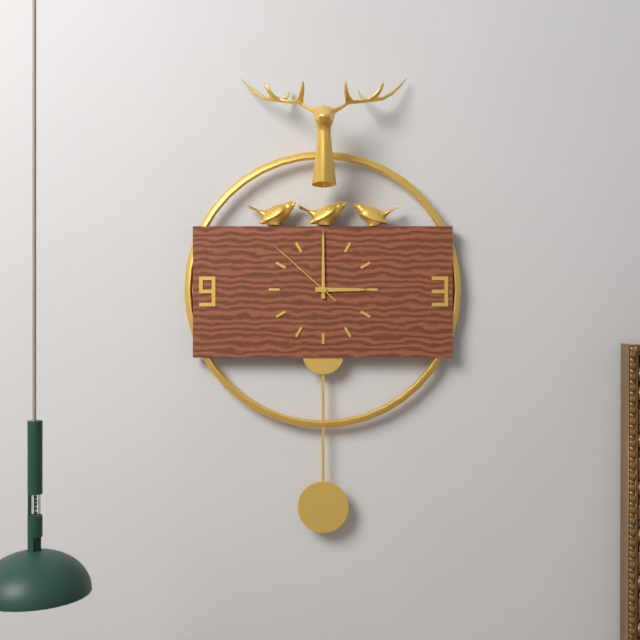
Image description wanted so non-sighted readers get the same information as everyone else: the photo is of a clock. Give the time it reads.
3:00:52
